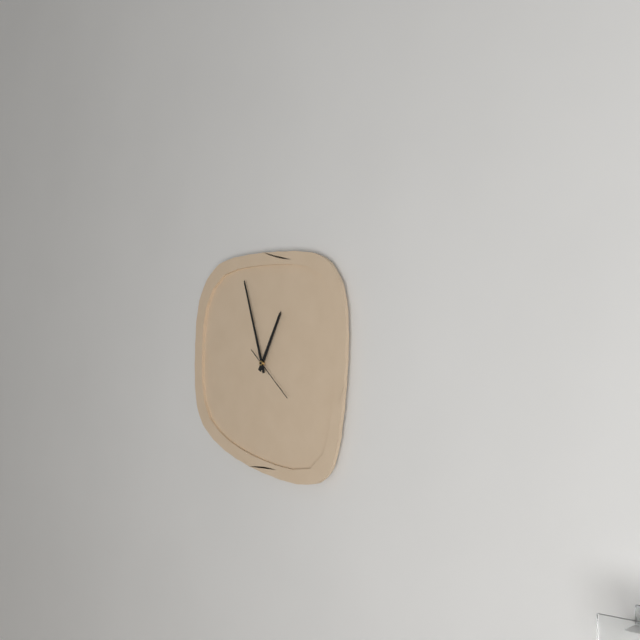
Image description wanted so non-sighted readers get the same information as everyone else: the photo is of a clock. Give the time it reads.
12:57:22
